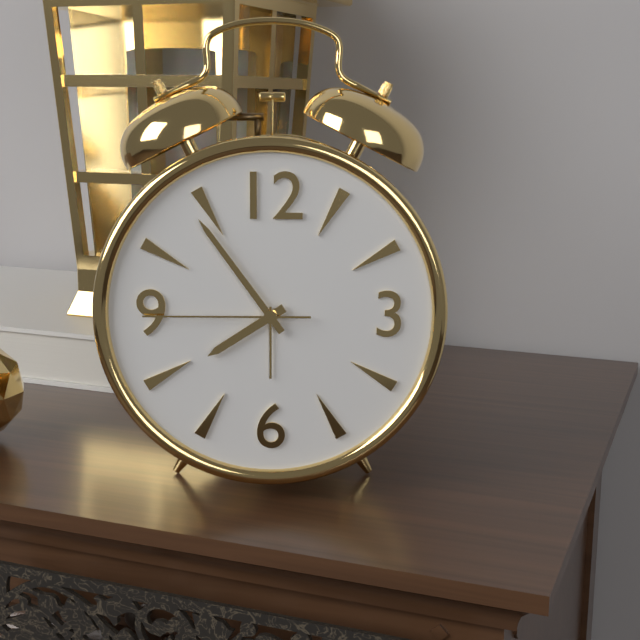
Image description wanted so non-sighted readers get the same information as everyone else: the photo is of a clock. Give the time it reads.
7:54:45
